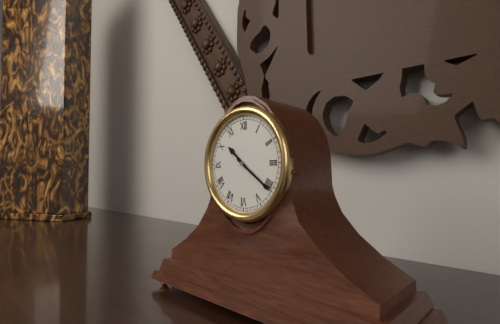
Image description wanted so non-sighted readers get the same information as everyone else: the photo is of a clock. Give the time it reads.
10:21
